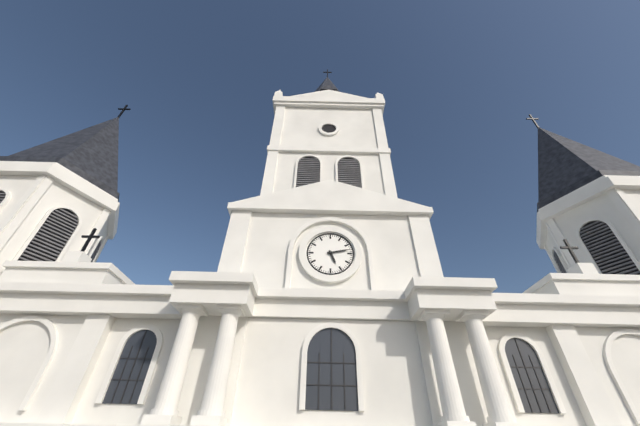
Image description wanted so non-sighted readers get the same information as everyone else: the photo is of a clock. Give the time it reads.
5:13
